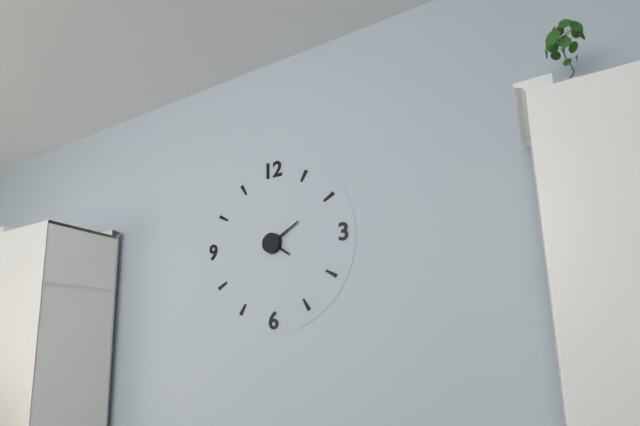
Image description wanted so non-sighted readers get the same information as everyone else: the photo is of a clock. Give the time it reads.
4:10
